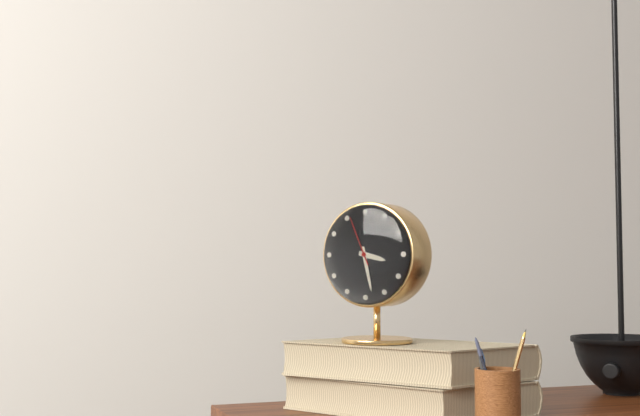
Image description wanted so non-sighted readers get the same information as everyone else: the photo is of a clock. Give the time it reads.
3:28
